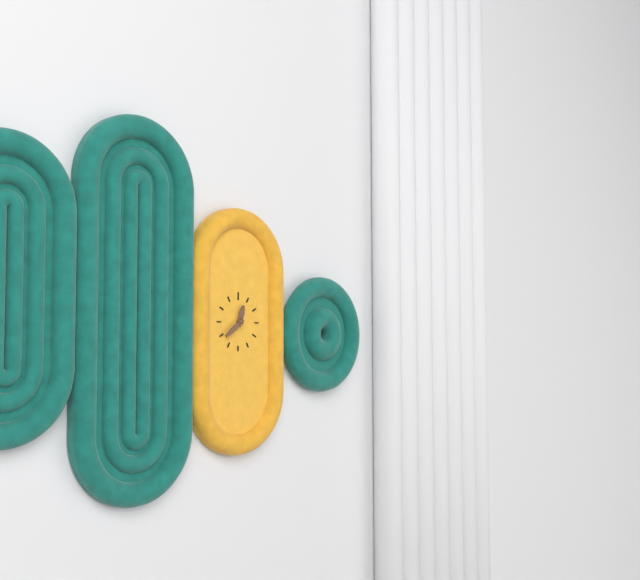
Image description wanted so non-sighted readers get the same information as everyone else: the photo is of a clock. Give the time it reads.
12:39
